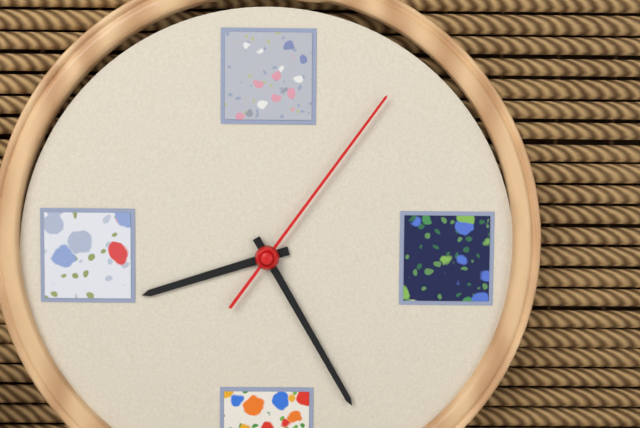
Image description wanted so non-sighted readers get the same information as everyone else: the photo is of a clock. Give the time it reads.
8:25:06
